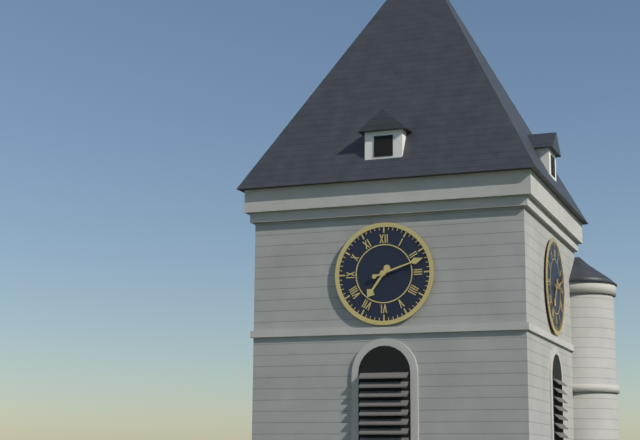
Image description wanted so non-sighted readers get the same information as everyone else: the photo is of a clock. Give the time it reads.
7:12
